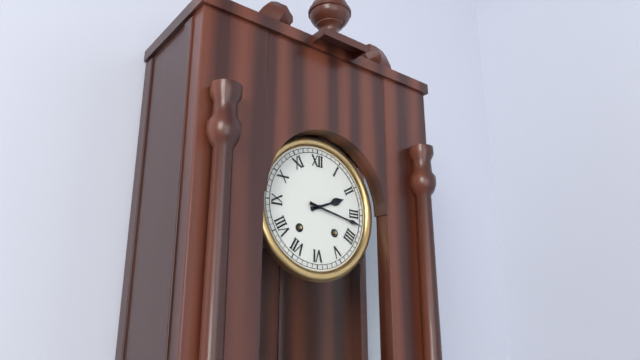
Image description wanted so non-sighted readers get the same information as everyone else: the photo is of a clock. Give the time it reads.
2:17
